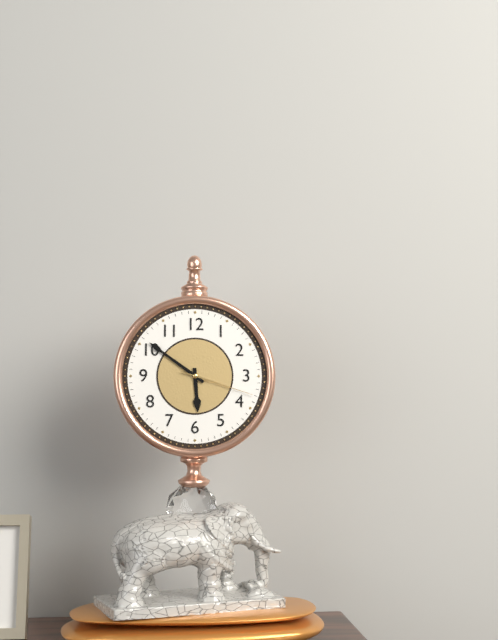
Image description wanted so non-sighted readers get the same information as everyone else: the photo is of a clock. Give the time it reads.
5:51:18
